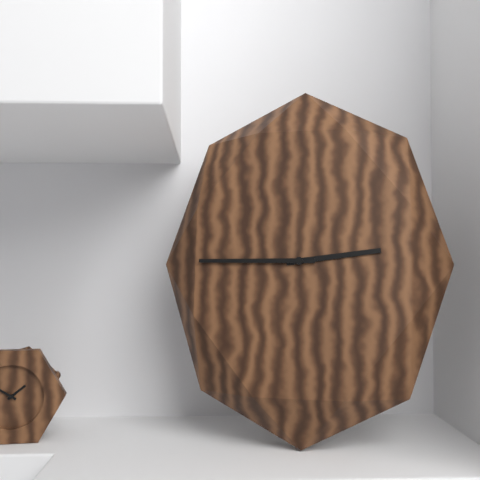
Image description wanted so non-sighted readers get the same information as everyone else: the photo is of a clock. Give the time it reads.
2:45
